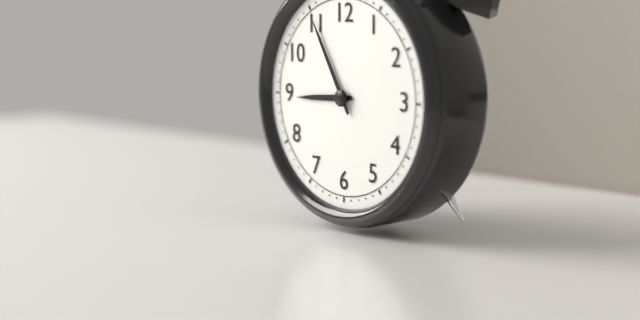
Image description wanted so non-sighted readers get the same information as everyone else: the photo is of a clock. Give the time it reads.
8:55
